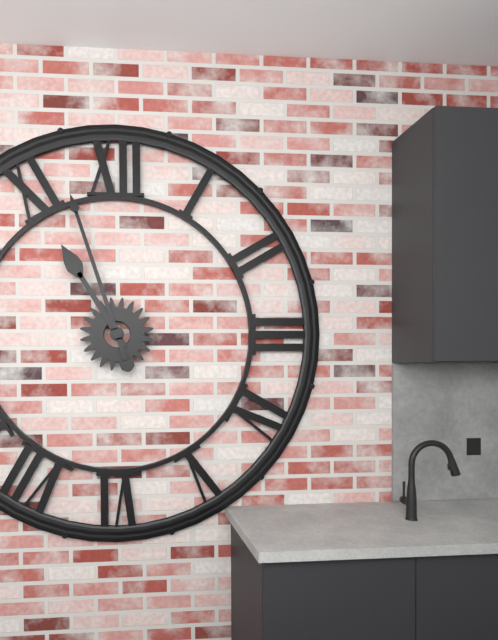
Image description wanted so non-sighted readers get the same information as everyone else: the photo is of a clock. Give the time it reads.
10:57
